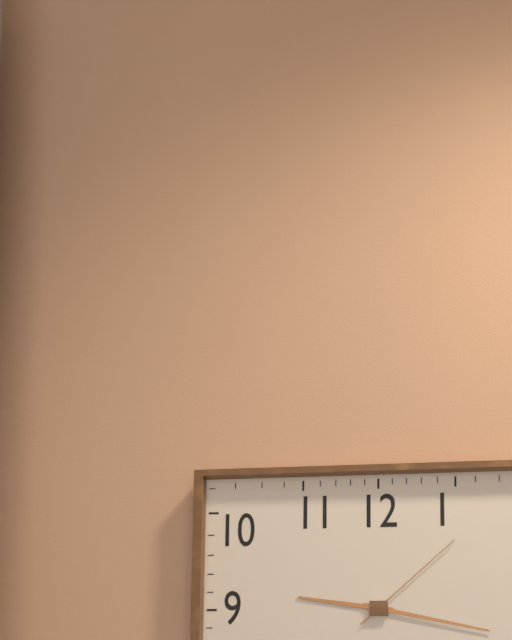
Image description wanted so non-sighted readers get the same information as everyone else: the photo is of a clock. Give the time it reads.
9:17:08
